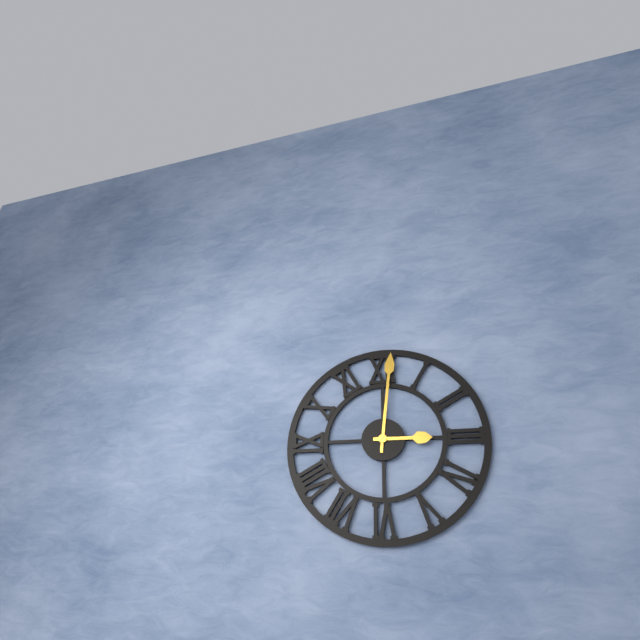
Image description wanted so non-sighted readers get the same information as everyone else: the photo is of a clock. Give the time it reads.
3:01
